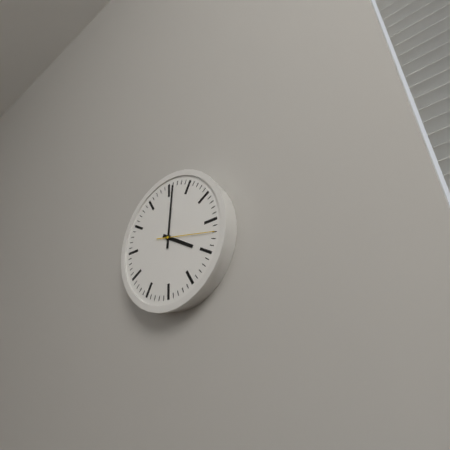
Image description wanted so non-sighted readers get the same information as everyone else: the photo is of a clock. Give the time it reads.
4:01:17
